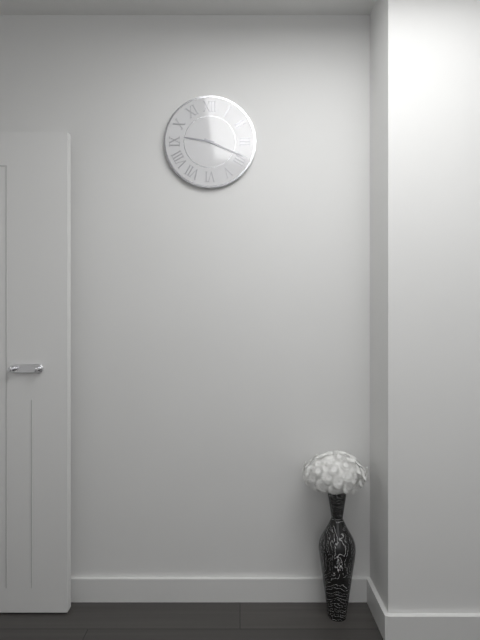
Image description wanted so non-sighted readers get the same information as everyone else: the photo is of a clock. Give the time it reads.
9:19
